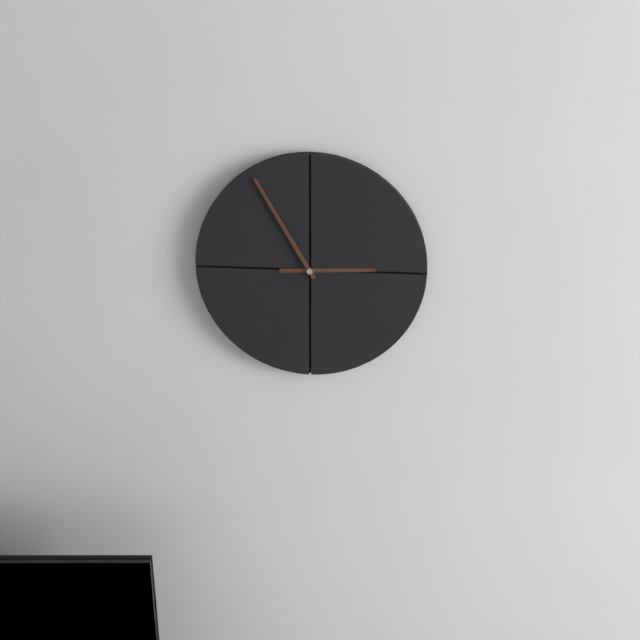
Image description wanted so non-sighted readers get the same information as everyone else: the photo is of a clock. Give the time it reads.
2:55
